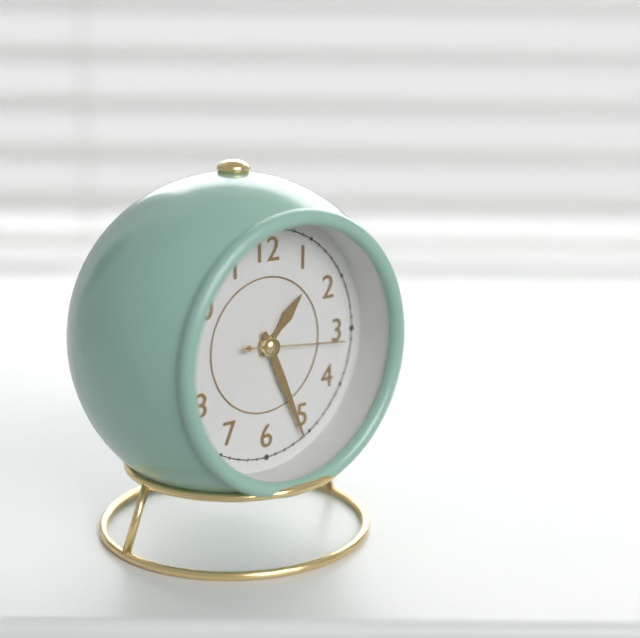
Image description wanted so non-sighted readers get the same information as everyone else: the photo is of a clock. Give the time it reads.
1:26:16
